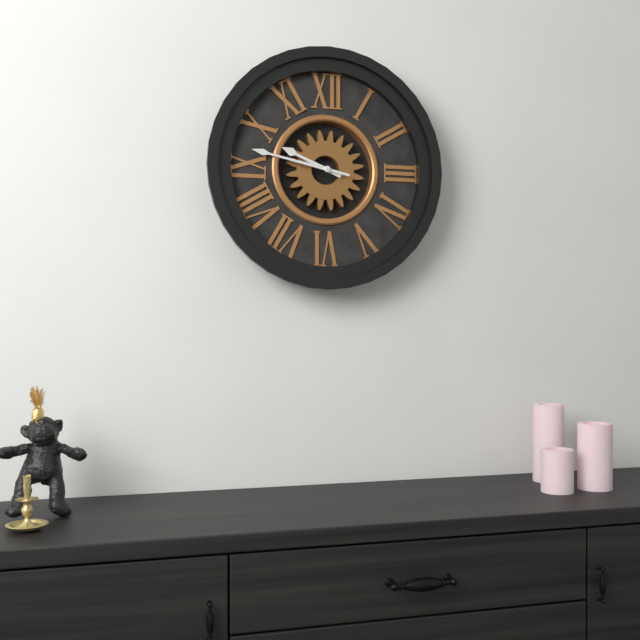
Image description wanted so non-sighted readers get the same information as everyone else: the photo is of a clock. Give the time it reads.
9:47
